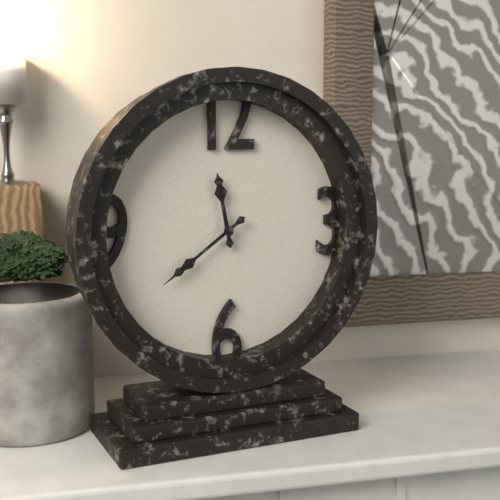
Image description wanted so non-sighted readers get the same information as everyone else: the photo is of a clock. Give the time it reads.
11:39
